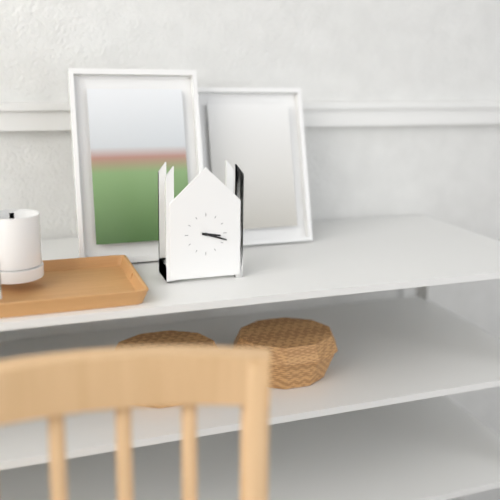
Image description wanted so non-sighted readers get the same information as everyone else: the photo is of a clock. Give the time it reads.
3:18
